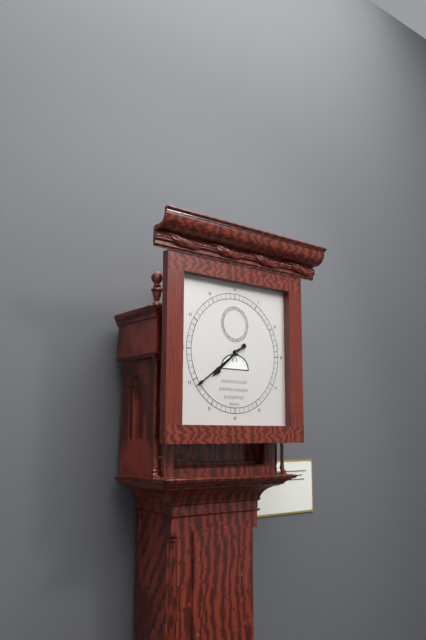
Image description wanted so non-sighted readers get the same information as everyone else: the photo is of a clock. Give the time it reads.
7:39
